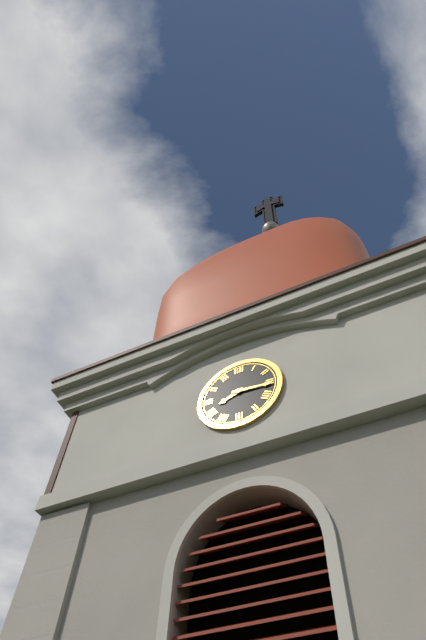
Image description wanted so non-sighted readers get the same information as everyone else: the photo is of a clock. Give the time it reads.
8:16
